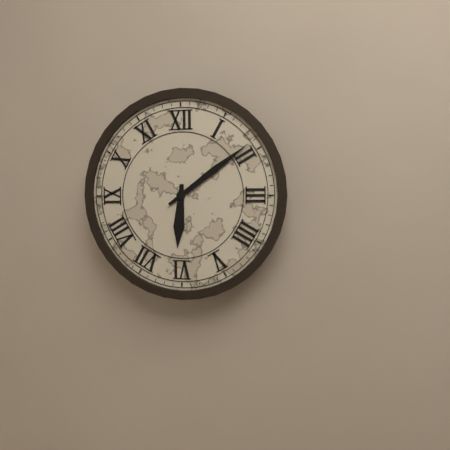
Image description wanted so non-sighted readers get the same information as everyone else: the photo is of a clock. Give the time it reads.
6:09
